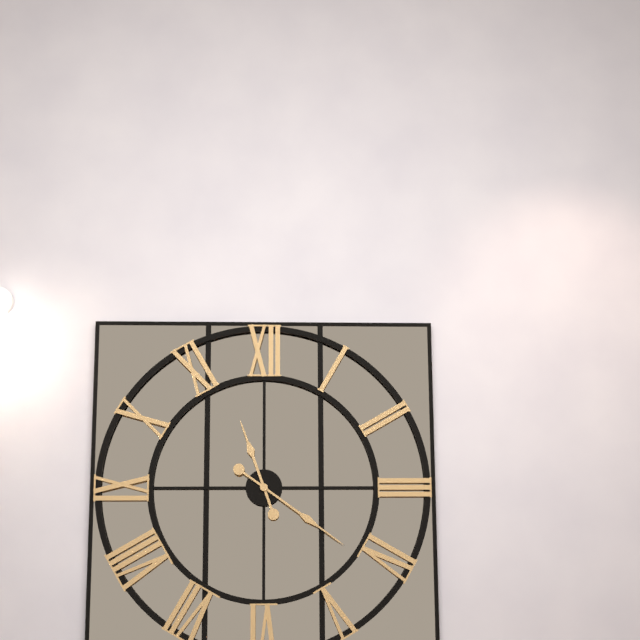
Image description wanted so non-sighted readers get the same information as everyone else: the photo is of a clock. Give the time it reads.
11:21
